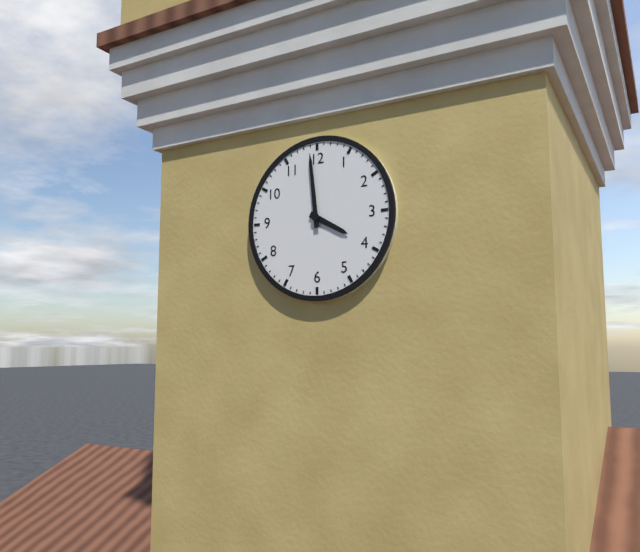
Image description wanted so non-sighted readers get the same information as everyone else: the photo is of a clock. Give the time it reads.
3:59
